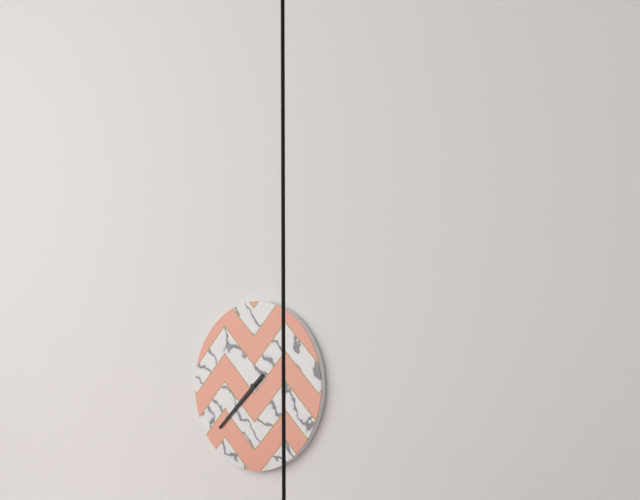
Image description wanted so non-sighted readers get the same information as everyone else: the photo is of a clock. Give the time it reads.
7:38
